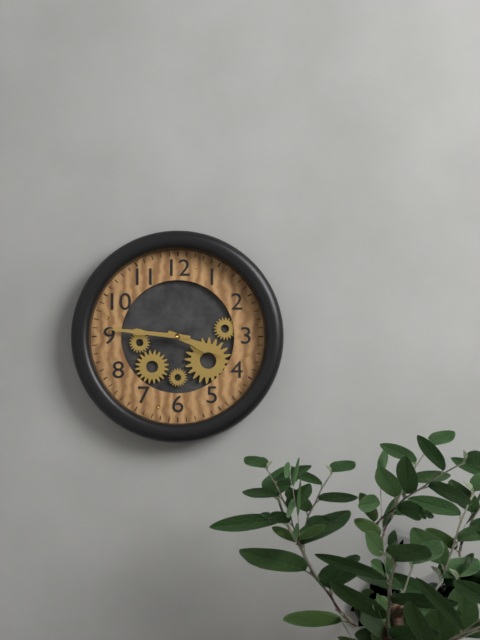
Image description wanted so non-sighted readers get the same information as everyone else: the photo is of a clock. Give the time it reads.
3:46
